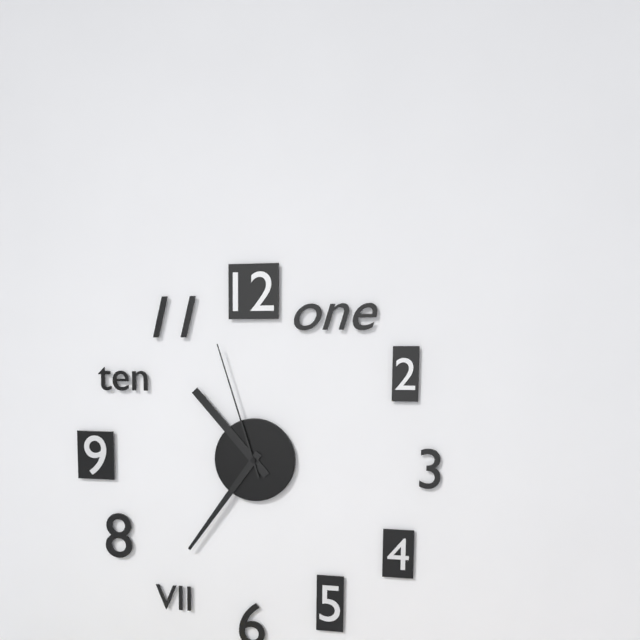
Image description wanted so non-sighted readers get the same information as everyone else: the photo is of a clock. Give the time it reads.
10:36:57
